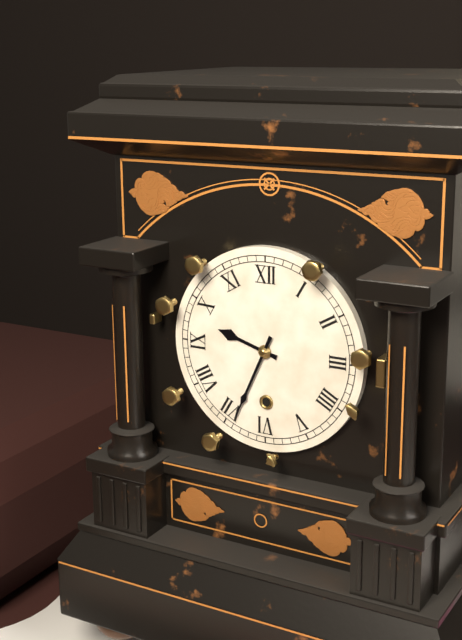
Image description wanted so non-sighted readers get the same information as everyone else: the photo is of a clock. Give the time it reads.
9:34
